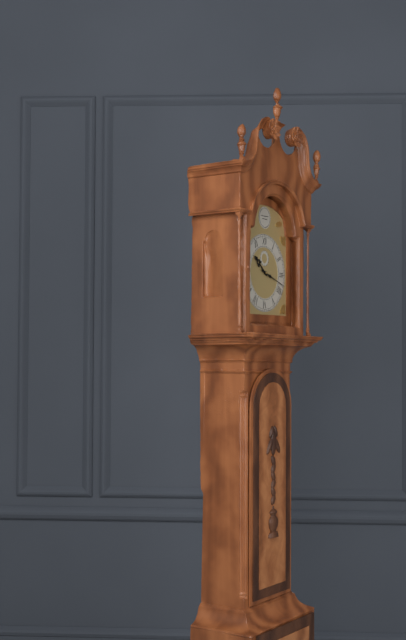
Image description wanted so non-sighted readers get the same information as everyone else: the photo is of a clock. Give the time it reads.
10:18
